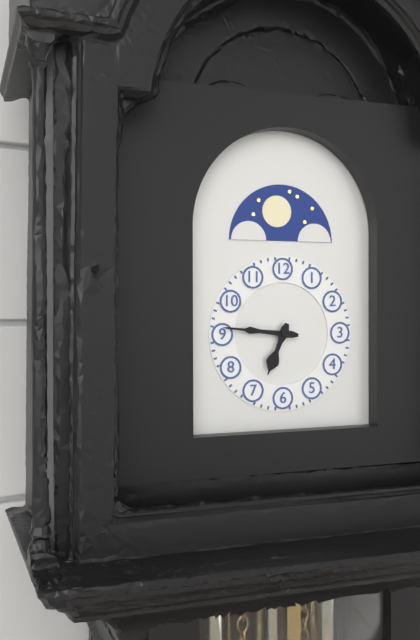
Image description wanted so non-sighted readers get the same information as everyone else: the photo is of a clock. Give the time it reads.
6:46
